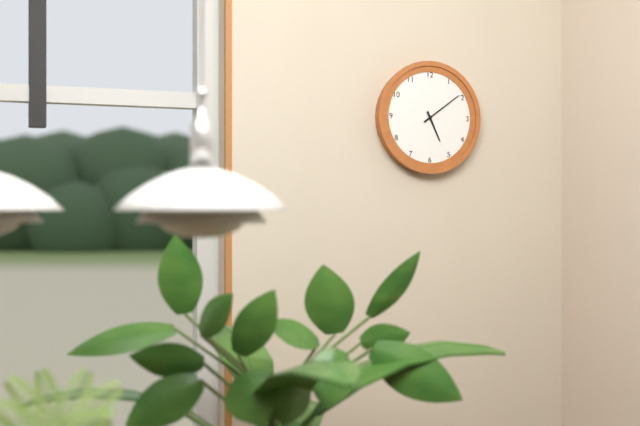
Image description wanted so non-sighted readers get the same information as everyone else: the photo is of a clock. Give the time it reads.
5:09
